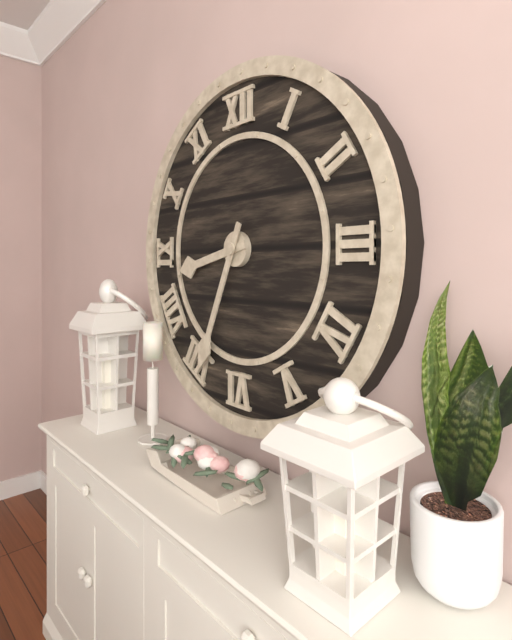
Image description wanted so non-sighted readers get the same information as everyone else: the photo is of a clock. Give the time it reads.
8:34
